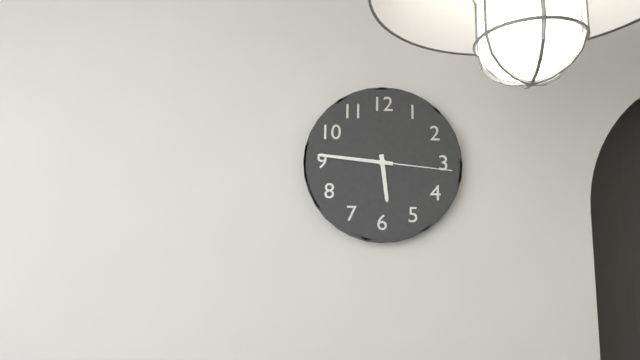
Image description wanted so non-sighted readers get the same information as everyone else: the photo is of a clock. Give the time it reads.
5:46:16
